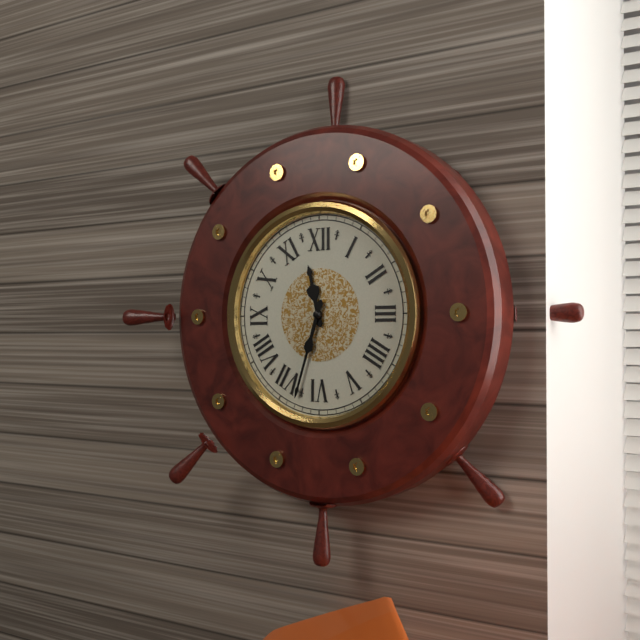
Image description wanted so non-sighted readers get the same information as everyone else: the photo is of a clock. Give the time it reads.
11:33
